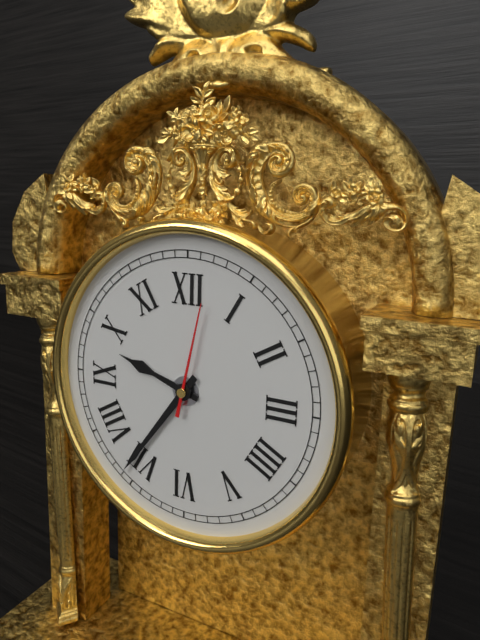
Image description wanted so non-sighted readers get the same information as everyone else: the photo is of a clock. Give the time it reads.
9:36:02
